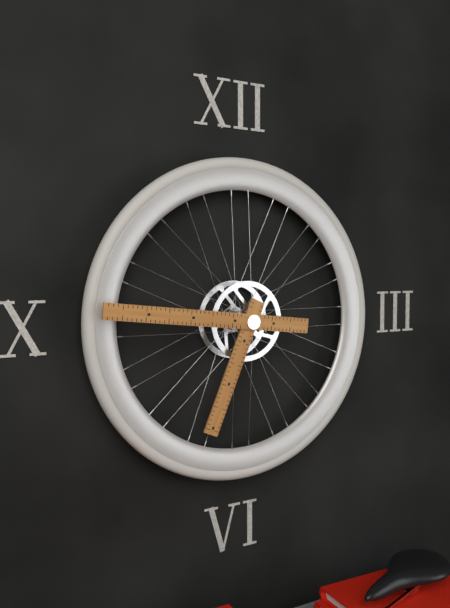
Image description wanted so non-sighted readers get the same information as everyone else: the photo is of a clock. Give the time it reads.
6:46
